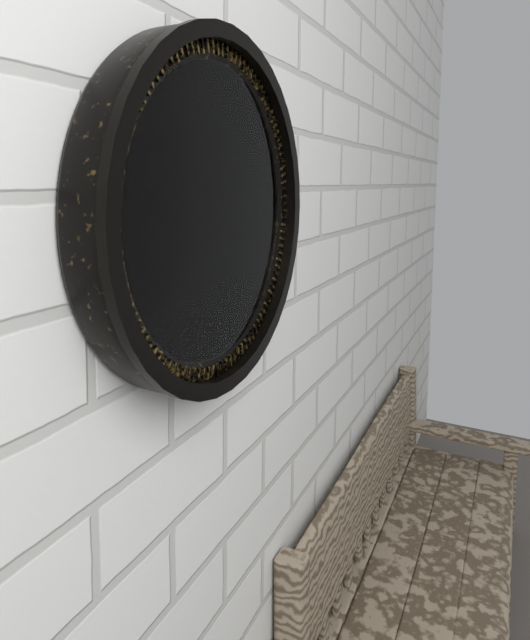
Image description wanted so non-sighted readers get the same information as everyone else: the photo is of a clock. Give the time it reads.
4:25
